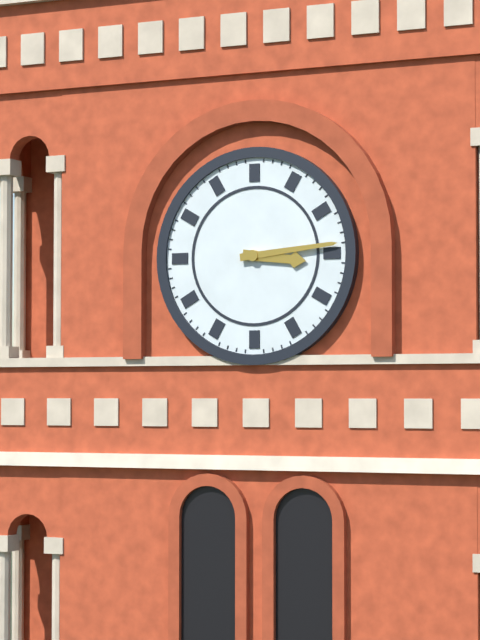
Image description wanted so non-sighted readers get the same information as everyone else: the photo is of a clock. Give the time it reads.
3:14
